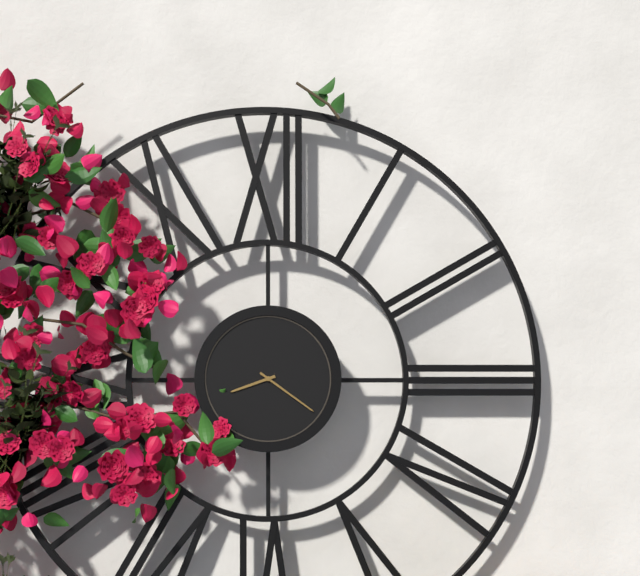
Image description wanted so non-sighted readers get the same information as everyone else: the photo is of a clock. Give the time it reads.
8:21
